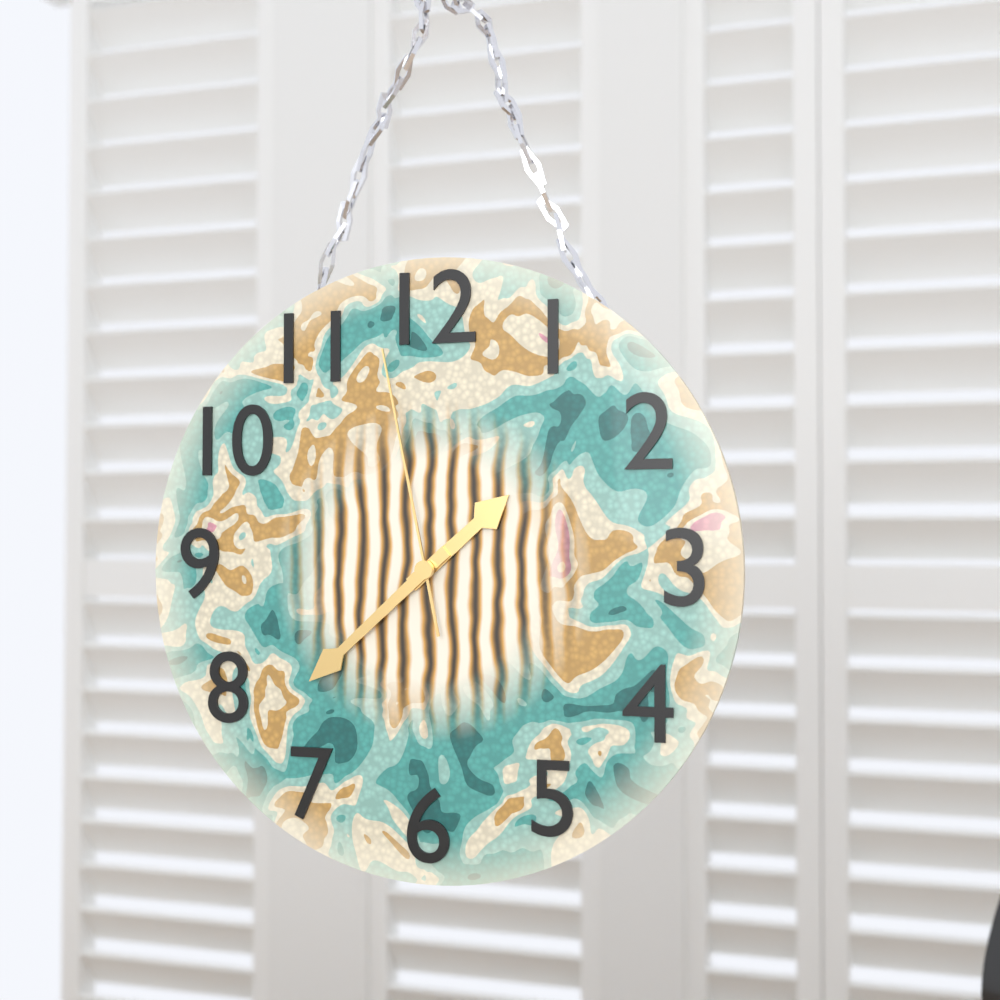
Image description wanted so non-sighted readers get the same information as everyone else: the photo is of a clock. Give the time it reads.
1:38:58
